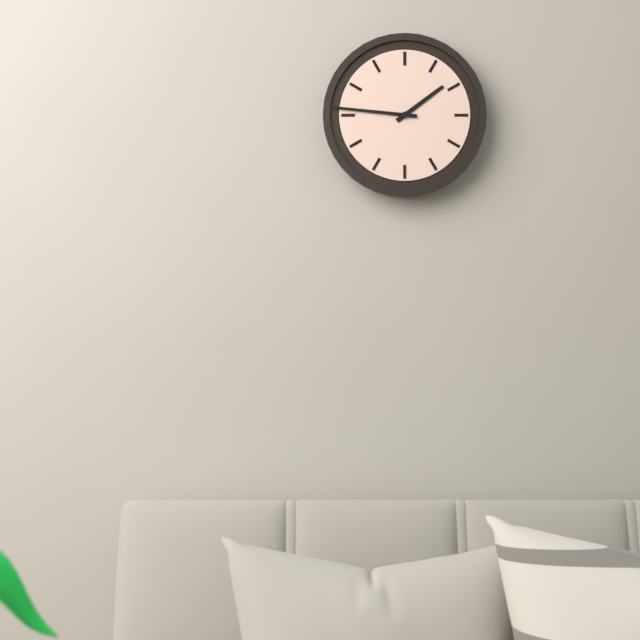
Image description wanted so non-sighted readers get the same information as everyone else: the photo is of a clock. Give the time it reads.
1:46
